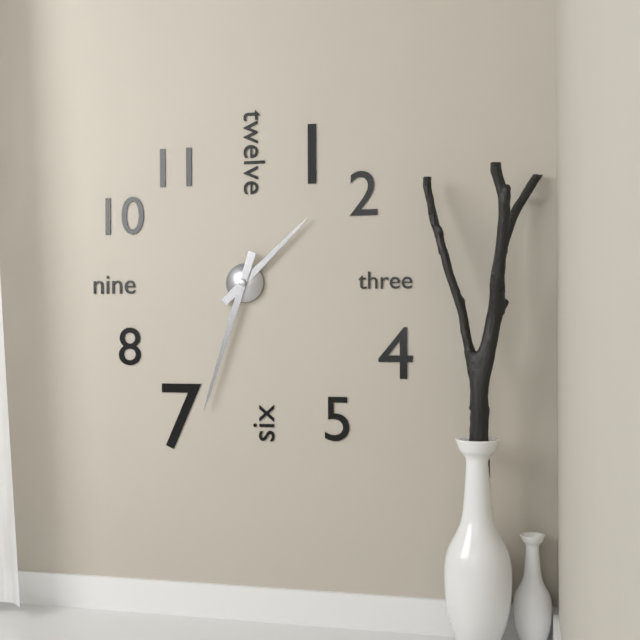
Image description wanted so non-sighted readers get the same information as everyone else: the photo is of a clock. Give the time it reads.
1:33
